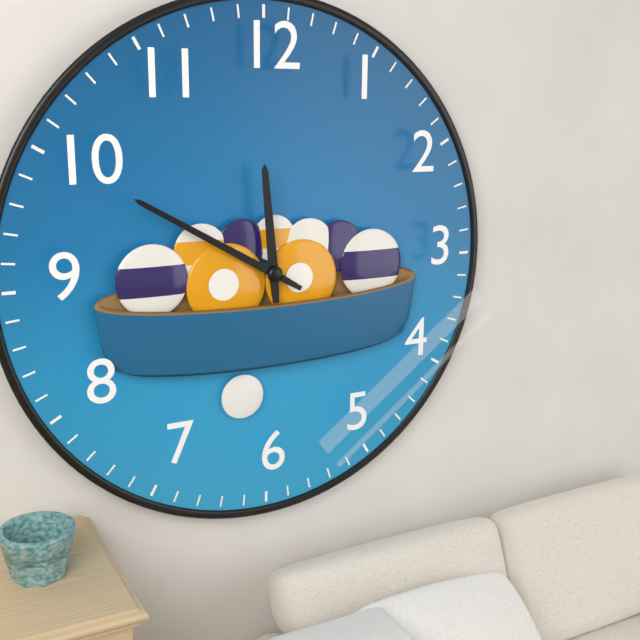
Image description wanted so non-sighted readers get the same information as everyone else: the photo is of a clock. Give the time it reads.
11:50
